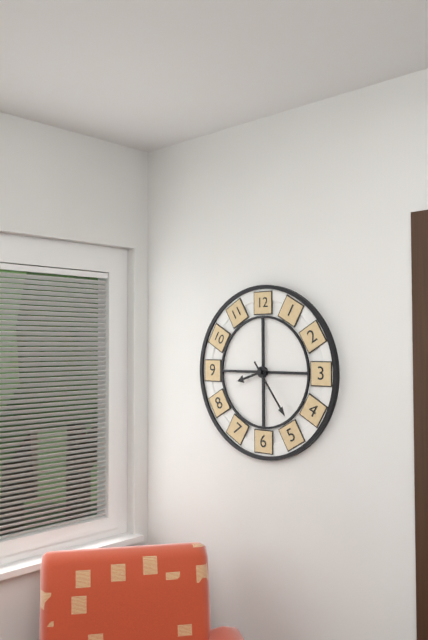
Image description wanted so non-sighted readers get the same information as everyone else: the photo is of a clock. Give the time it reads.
8:24
